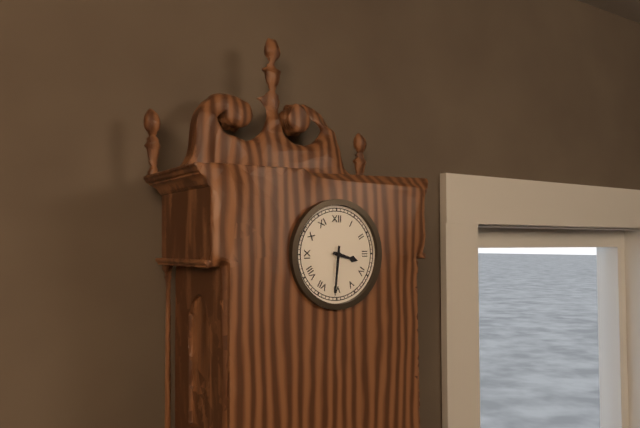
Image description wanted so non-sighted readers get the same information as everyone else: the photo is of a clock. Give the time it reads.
3:31
